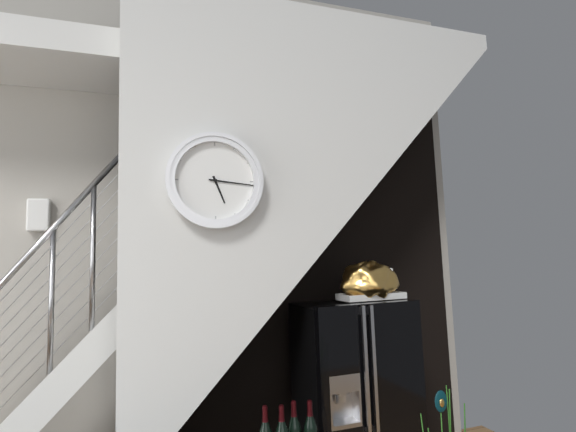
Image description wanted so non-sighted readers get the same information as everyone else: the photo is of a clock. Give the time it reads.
5:16
